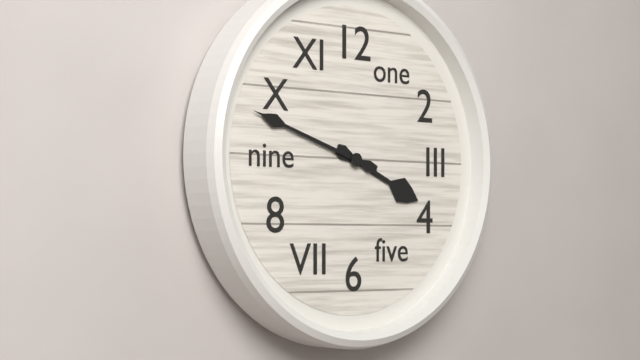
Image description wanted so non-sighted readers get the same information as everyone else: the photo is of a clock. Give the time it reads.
3:48
